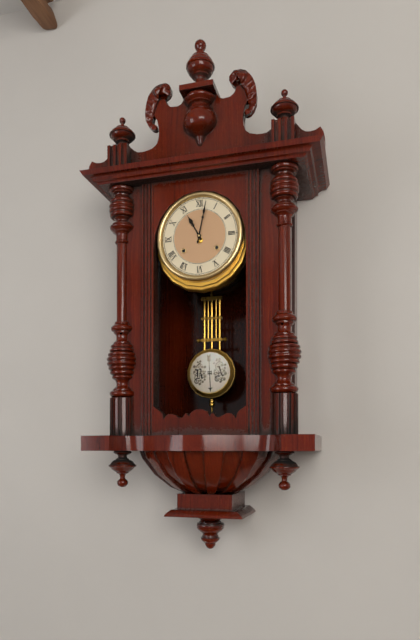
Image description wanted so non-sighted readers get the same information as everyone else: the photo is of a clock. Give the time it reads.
11:02
